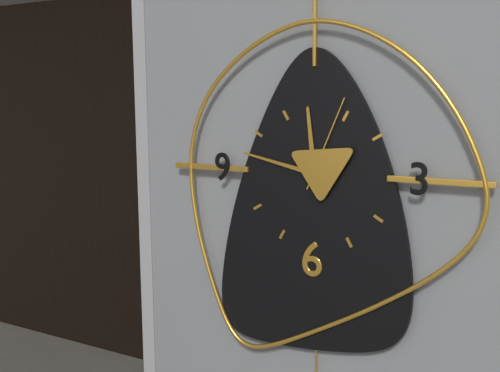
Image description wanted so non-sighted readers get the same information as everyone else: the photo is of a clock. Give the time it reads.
11:47:04
